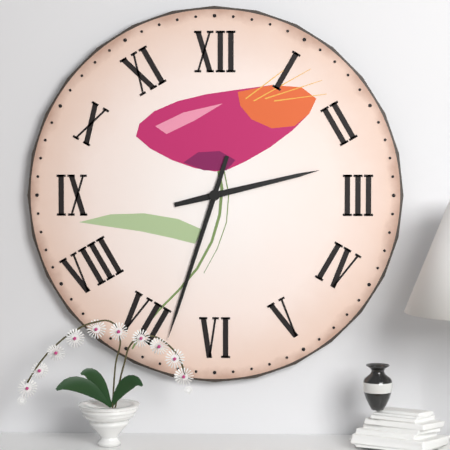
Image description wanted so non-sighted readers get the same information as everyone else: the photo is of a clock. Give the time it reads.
2:33
